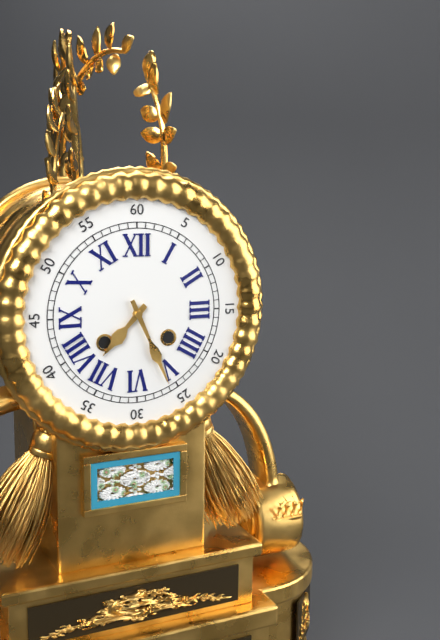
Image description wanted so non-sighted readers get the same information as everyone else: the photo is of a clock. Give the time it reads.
7:26
